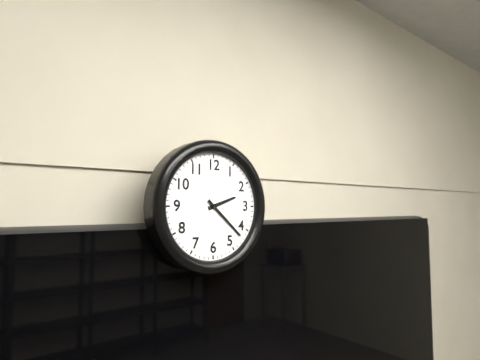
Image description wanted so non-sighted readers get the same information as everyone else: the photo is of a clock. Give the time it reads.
2:22
